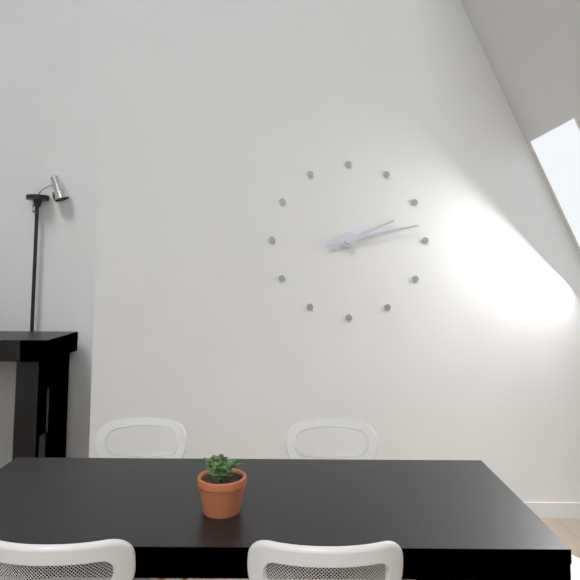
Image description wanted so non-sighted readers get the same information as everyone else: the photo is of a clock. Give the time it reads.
2:13
